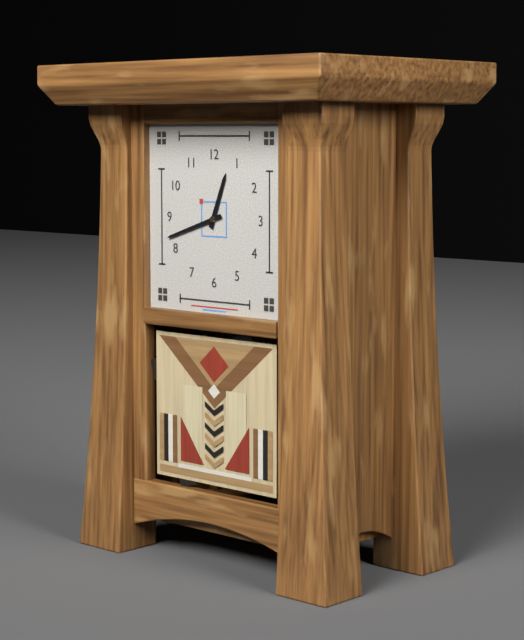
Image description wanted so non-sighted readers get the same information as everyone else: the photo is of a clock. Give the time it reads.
12:42
